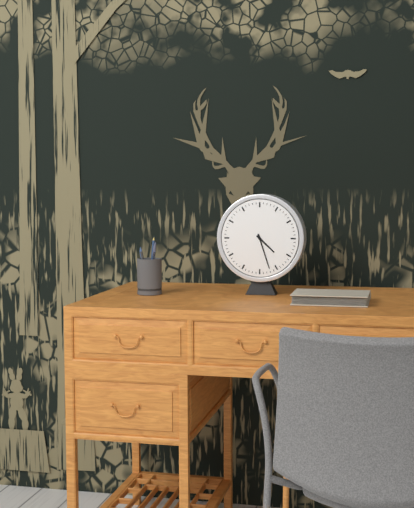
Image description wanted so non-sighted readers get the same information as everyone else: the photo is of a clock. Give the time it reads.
4:27
